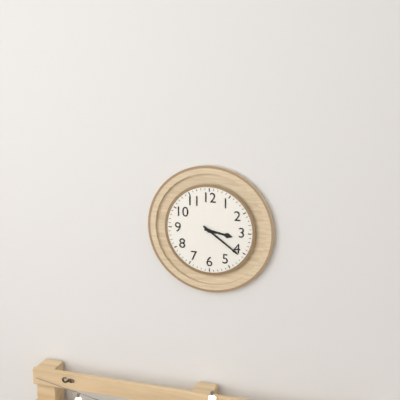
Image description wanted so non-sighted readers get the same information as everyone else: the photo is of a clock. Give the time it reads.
3:21
